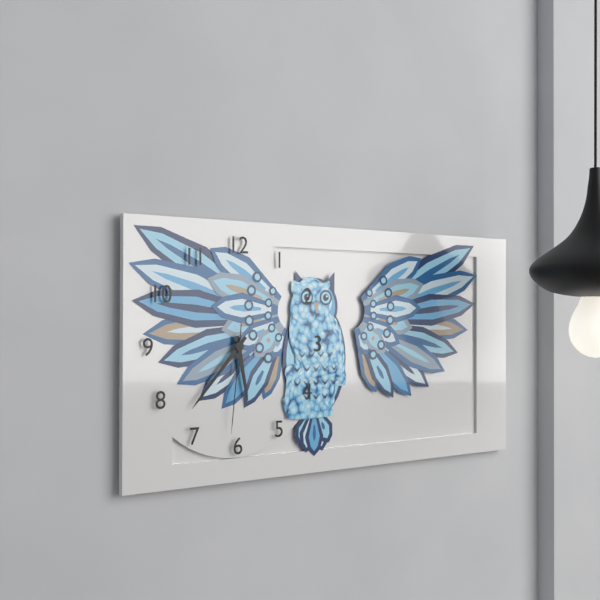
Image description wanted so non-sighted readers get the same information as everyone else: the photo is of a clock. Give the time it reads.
5:37:31
